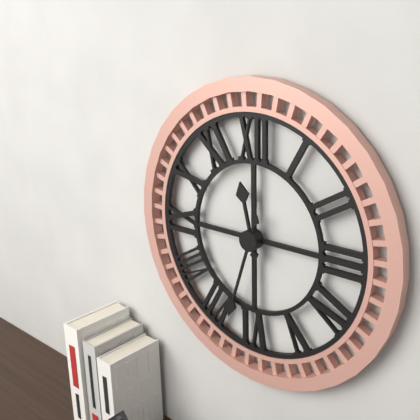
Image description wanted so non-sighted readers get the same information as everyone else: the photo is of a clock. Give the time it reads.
11:33
